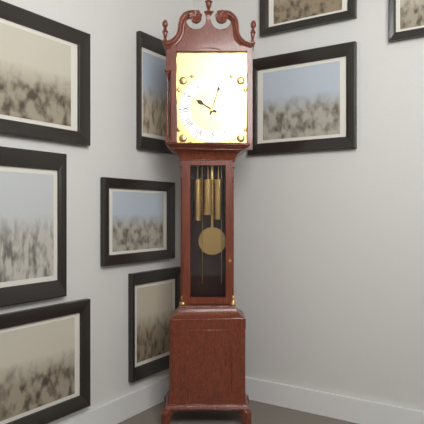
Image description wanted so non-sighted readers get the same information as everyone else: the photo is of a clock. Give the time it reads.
10:03
